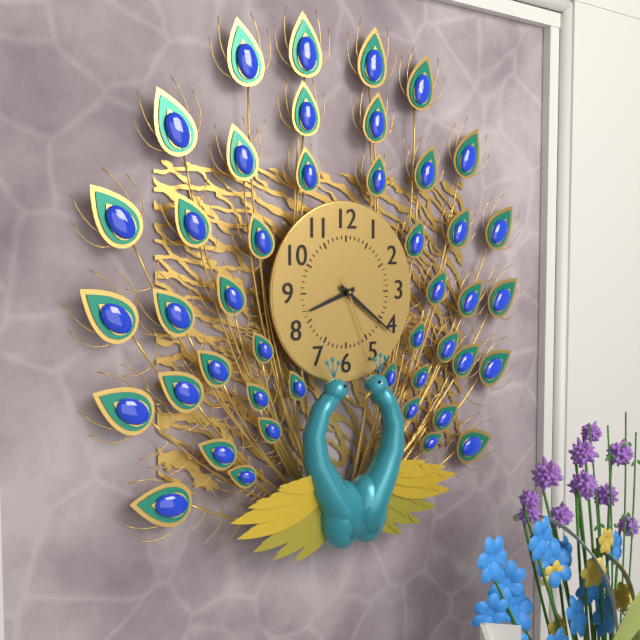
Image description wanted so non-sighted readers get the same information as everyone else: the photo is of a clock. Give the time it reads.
8:21:26
